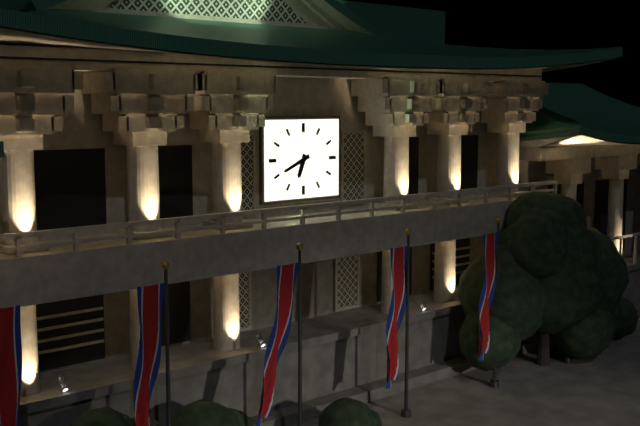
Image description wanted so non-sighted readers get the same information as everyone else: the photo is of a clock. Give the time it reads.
6:41
